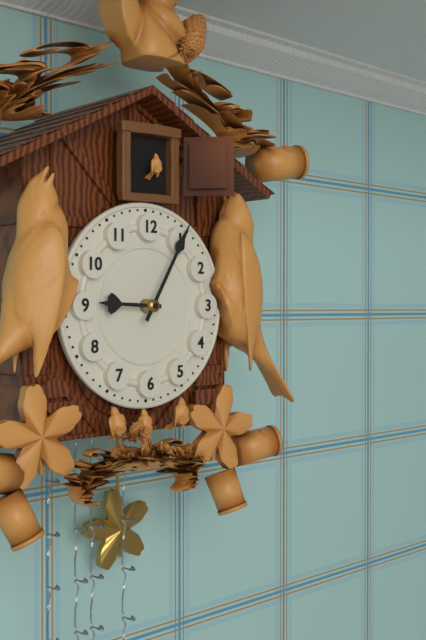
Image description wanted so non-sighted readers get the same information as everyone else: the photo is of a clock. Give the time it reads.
9:05
